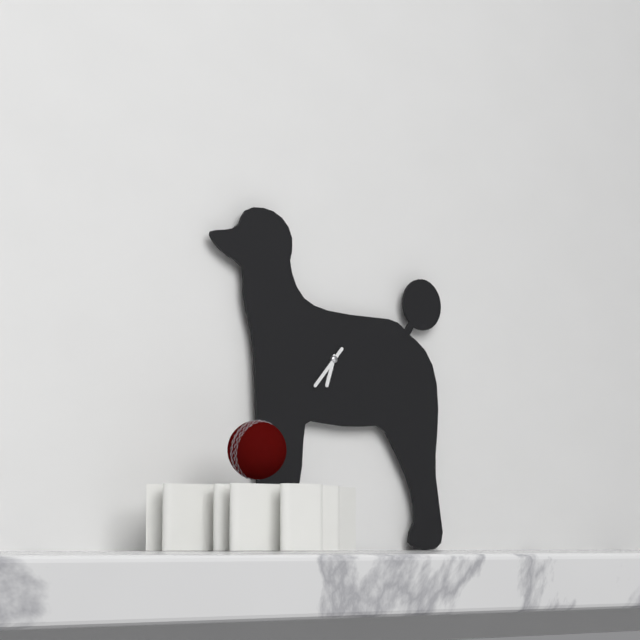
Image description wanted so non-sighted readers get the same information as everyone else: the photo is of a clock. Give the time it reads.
6:37
